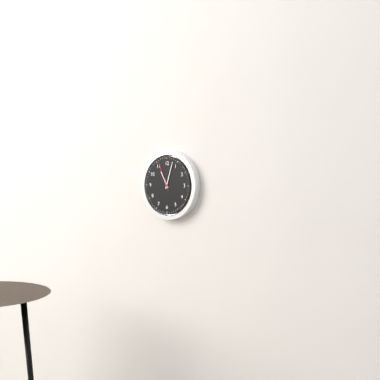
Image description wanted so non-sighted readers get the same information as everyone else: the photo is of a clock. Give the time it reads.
11:03
